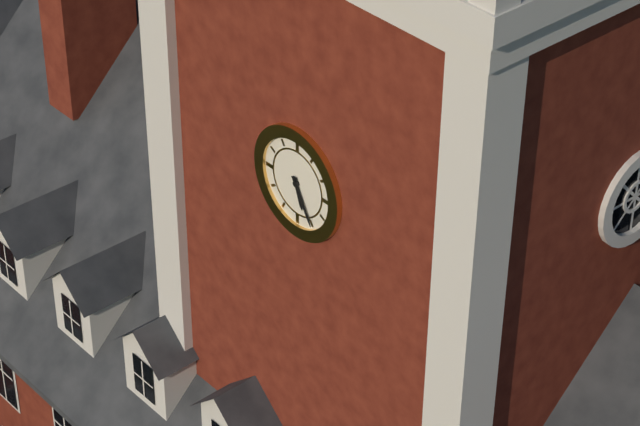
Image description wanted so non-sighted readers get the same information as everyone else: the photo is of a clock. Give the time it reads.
5:25
